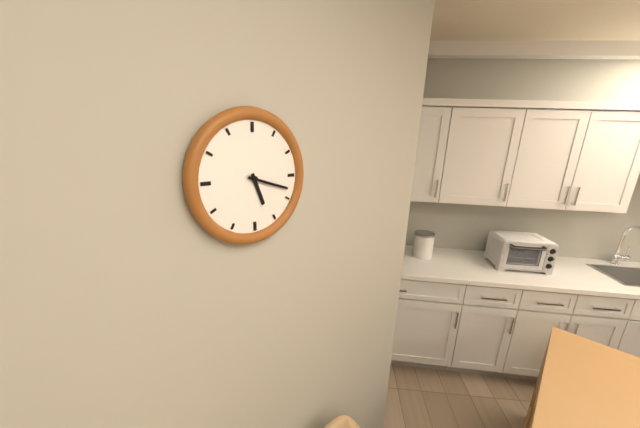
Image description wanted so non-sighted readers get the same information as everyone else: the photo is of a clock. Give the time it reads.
5:18
